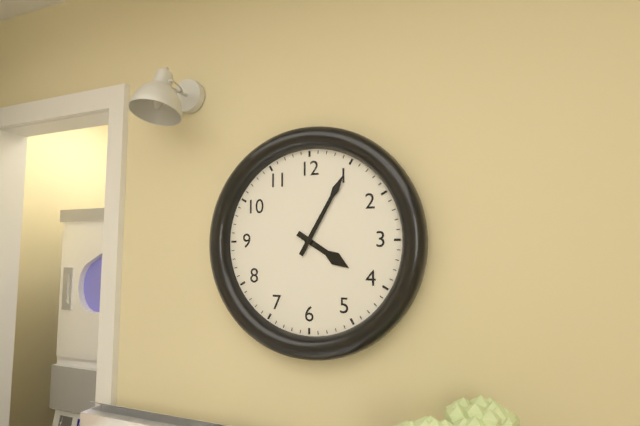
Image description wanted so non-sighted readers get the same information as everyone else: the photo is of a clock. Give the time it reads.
4:05
